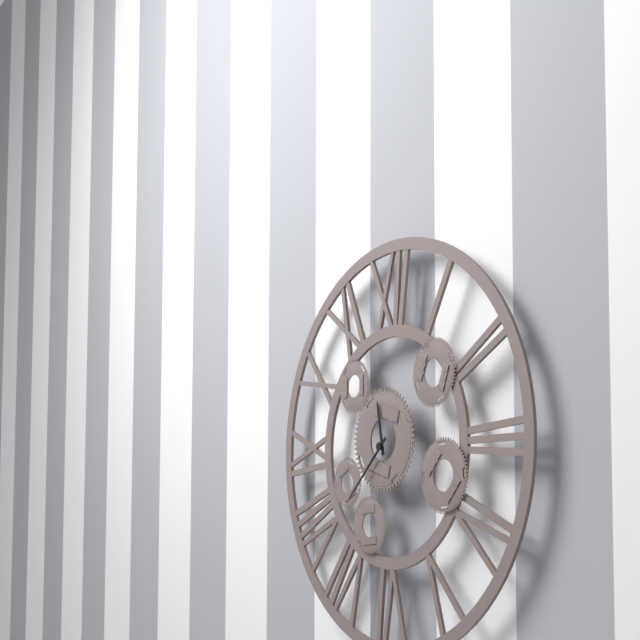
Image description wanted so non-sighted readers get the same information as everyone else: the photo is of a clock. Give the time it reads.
11:38
